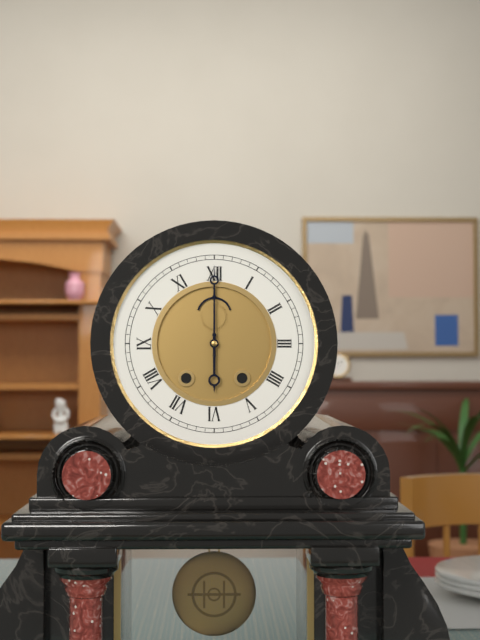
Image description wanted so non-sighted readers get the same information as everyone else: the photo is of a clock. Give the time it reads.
6:00
